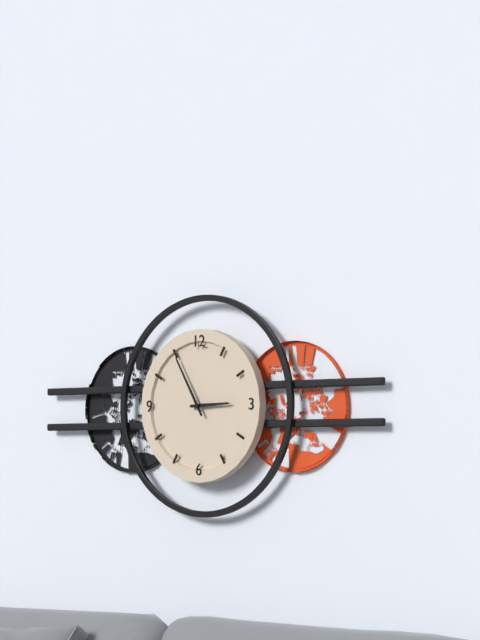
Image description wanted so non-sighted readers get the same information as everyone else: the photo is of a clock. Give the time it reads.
2:55
